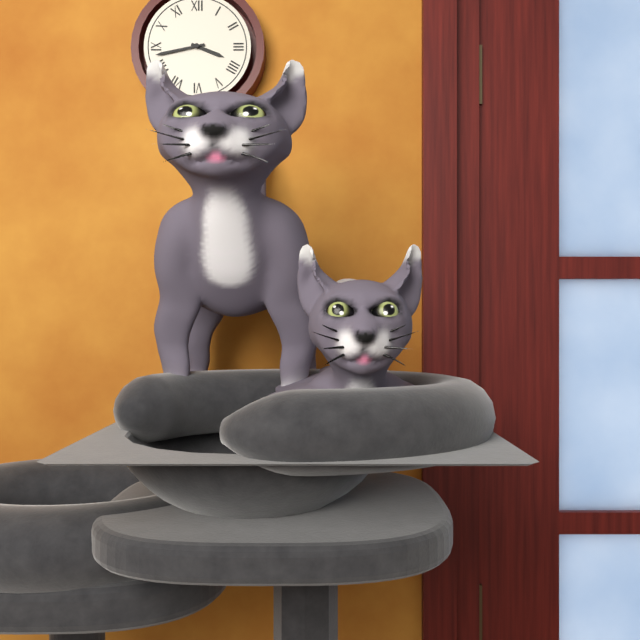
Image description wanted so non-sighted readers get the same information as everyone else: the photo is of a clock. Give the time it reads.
3:43
